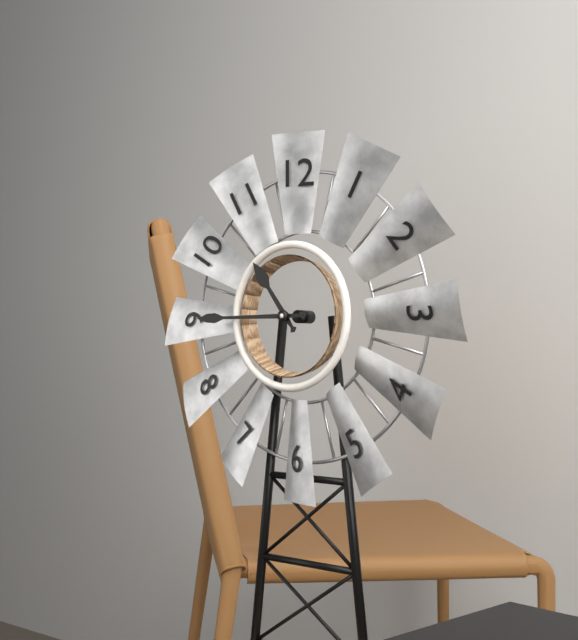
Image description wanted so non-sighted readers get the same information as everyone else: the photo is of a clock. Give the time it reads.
10:45
